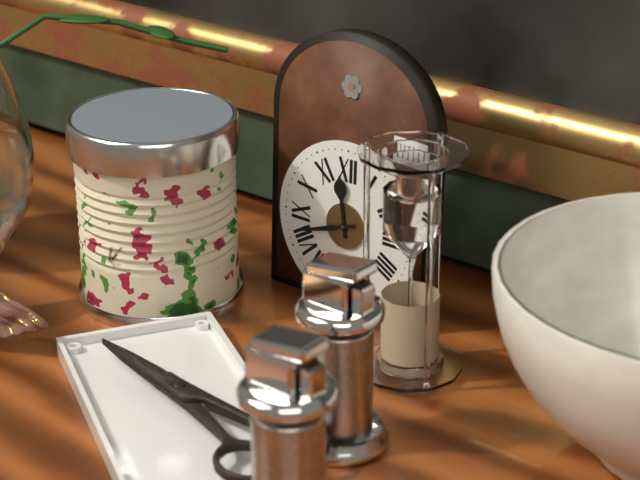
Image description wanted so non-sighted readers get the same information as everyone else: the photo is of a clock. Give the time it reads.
11:42
